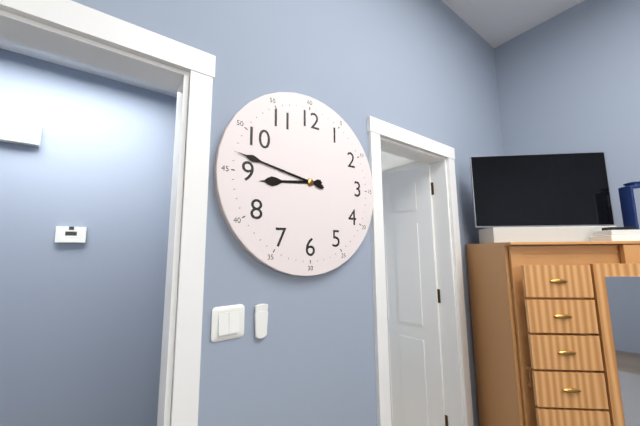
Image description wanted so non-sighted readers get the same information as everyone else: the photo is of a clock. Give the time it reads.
8:47
